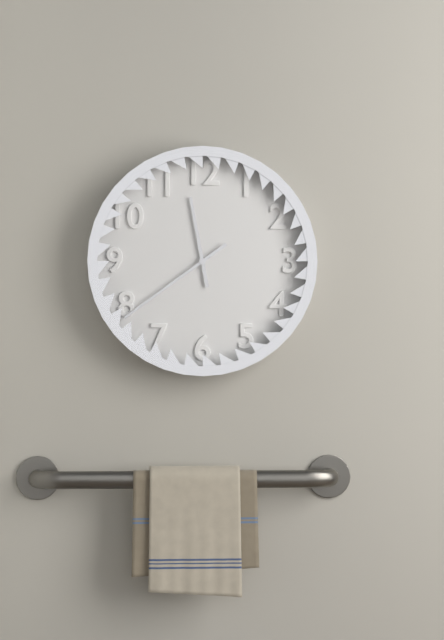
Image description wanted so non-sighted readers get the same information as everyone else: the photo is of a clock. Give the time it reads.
11:39
